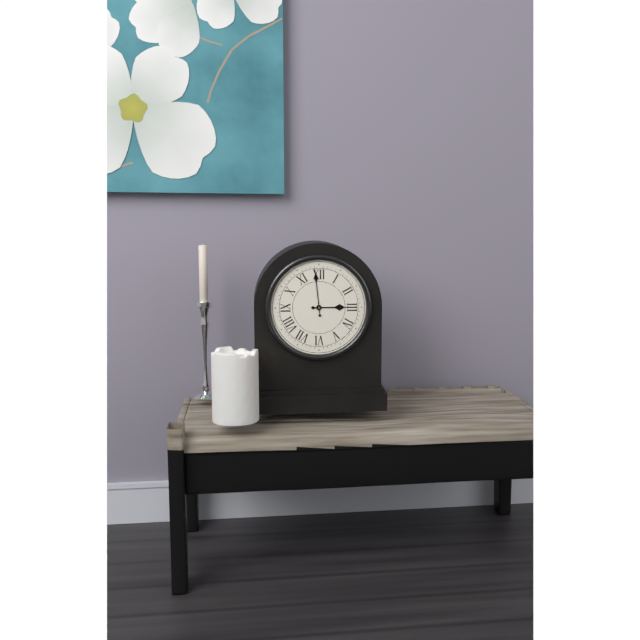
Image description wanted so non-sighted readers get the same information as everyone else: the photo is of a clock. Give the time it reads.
2:59
